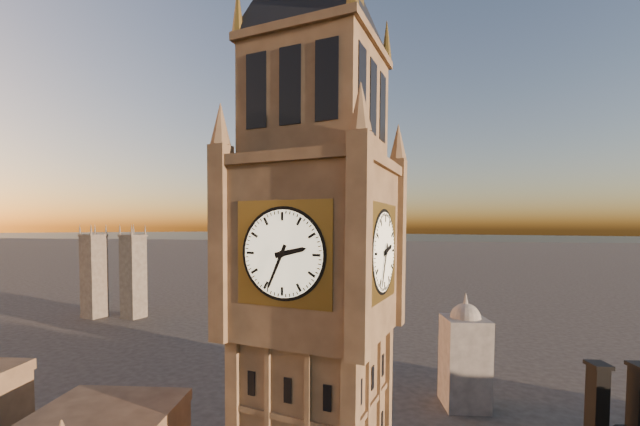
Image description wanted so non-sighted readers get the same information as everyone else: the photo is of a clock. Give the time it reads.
2:34
